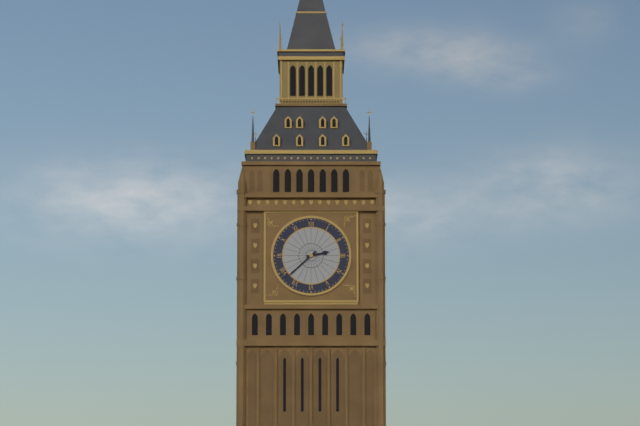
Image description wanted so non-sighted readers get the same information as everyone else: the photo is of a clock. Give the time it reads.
2:38
